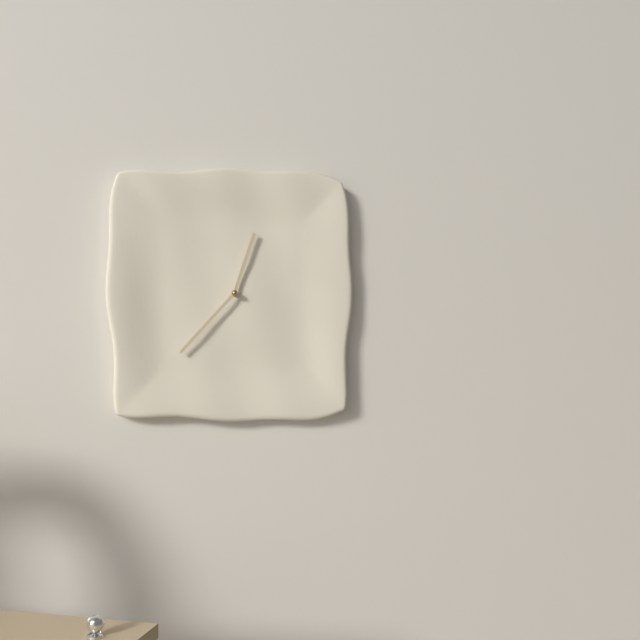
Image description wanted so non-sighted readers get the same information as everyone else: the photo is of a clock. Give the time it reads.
12:37
